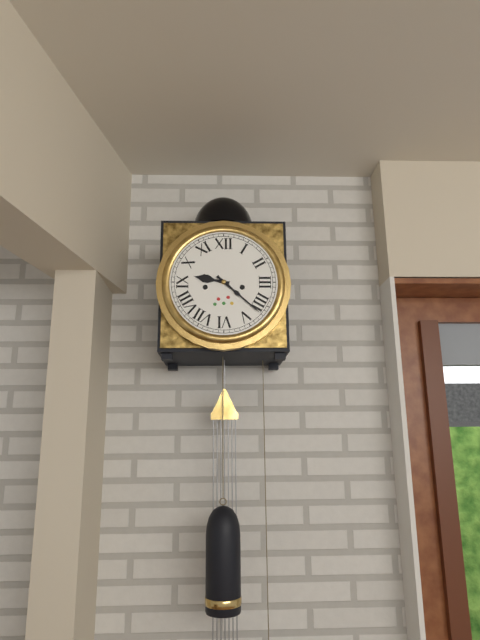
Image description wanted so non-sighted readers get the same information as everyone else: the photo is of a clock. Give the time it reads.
9:22
